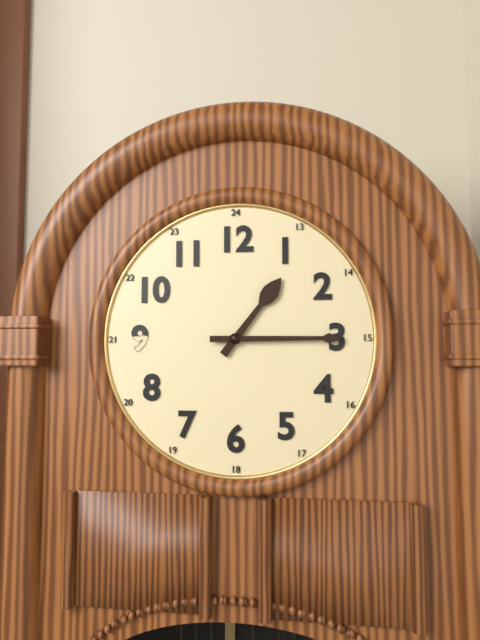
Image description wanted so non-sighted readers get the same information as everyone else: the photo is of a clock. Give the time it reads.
1:15
